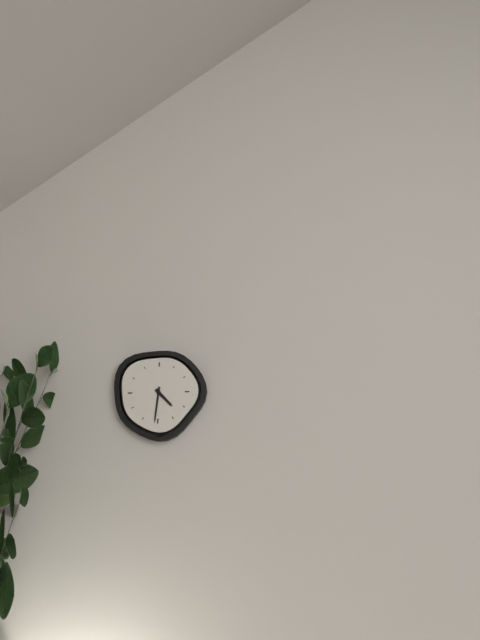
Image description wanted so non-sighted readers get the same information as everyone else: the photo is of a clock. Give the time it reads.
4:31
